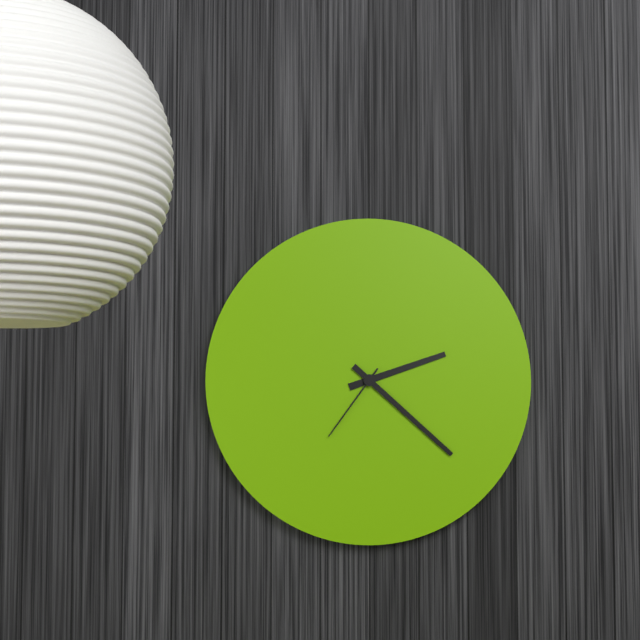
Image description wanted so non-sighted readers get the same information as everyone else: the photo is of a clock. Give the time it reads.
2:22:36
